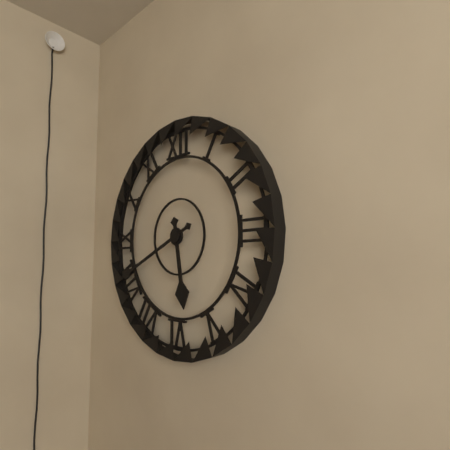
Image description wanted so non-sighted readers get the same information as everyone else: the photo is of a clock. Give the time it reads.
5:41
